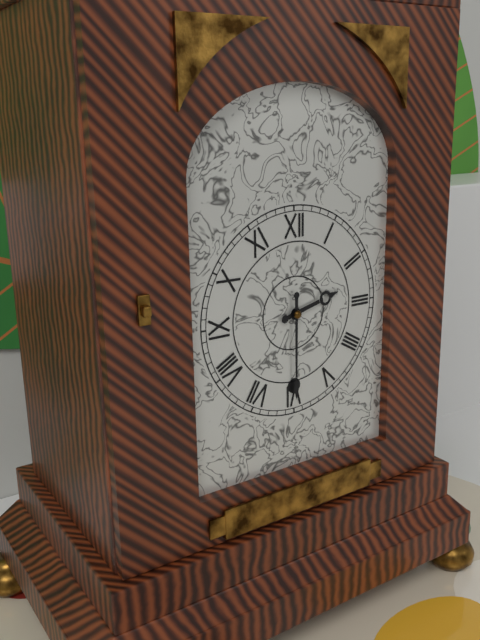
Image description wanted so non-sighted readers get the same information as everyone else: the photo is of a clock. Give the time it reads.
2:30
